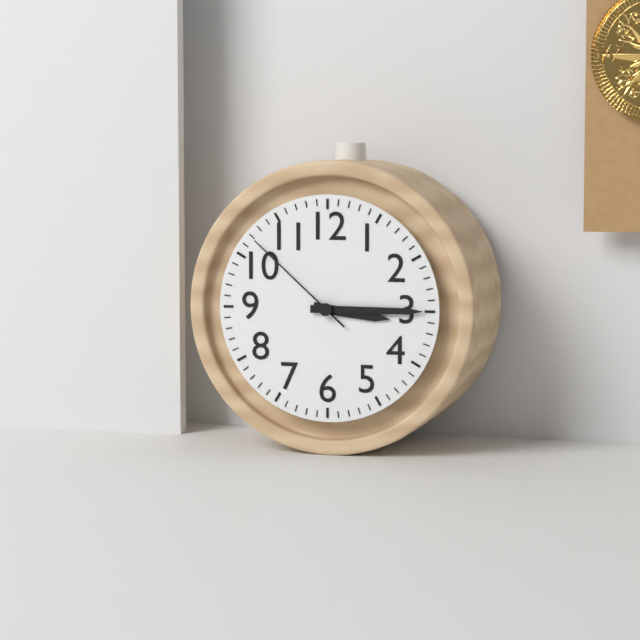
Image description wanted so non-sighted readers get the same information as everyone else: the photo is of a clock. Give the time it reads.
3:15:52
